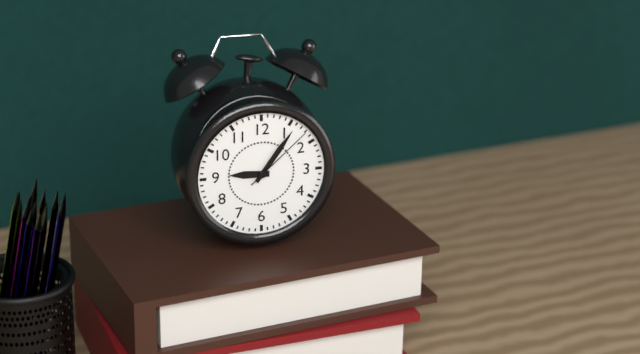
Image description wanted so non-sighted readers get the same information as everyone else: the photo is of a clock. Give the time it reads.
9:06:08
